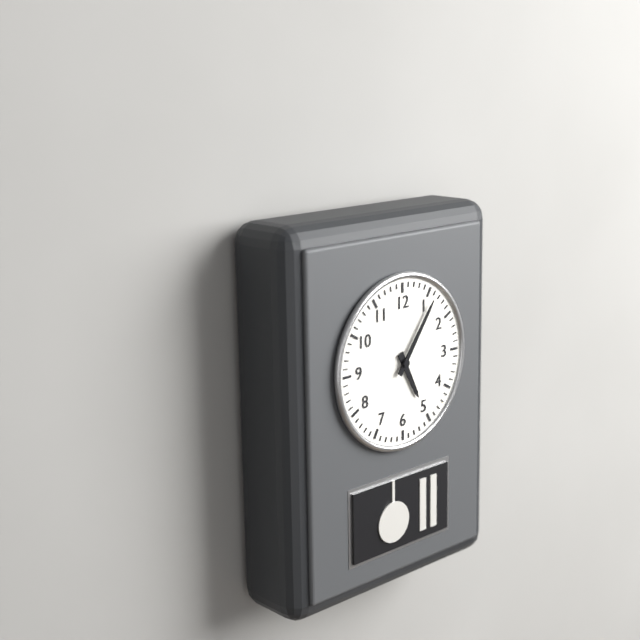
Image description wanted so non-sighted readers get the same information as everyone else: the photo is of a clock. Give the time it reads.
5:06
